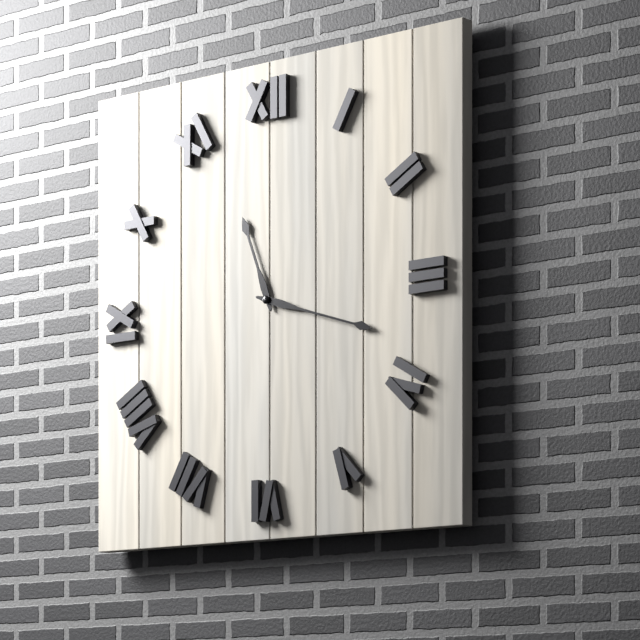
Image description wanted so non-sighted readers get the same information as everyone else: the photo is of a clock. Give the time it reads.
11:18
